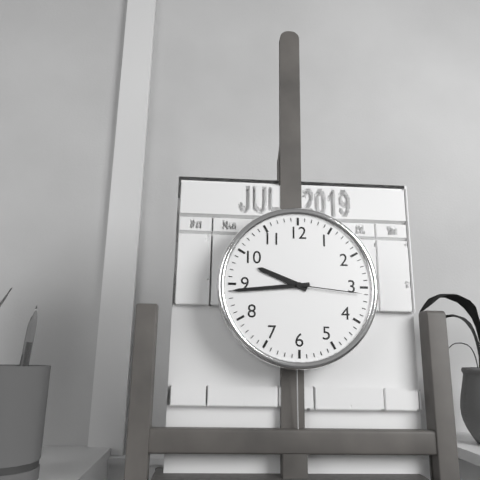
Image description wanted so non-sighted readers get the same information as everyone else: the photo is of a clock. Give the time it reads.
9:44:16
